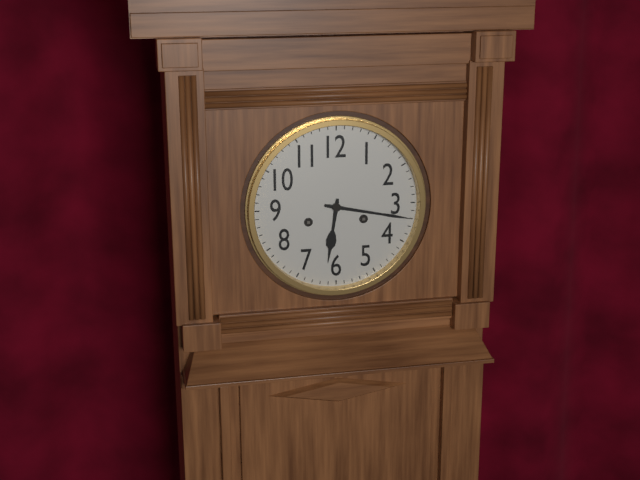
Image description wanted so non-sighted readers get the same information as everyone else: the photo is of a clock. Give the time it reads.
6:17
